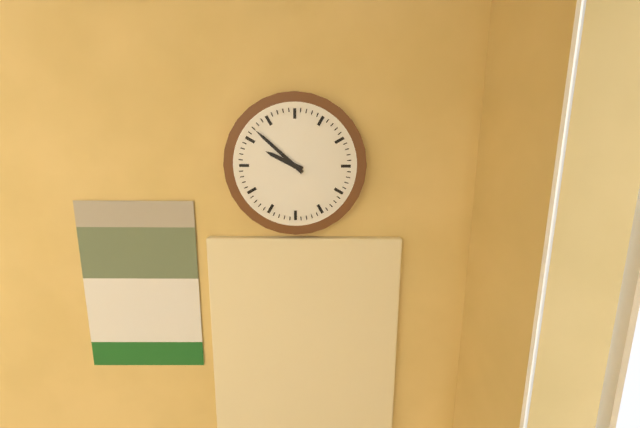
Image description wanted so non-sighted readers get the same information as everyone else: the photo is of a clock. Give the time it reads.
9:52
